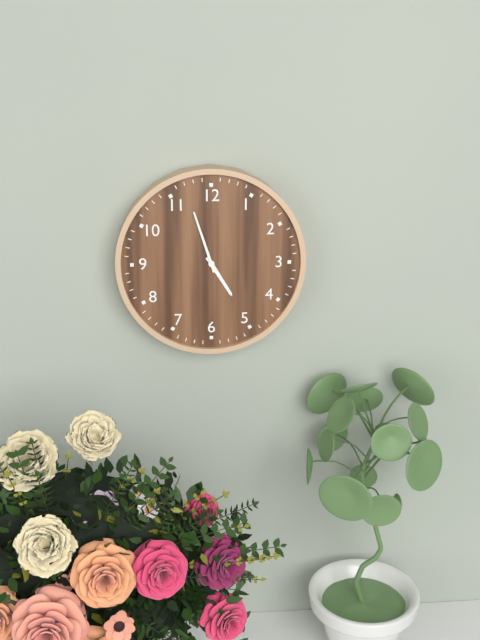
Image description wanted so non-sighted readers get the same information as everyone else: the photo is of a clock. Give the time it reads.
4:57
